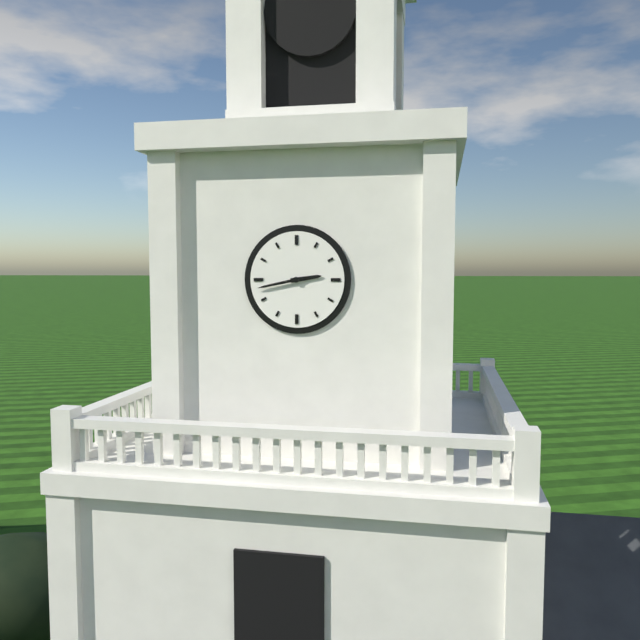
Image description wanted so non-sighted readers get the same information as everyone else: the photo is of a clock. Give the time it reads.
2:43
